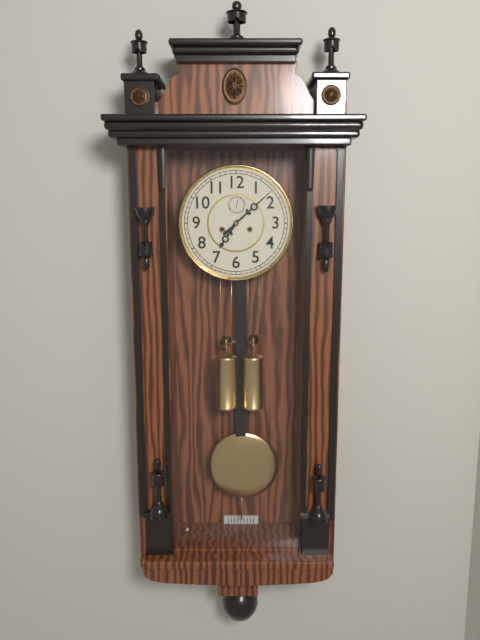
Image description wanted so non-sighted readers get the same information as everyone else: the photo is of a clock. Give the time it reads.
7:08
